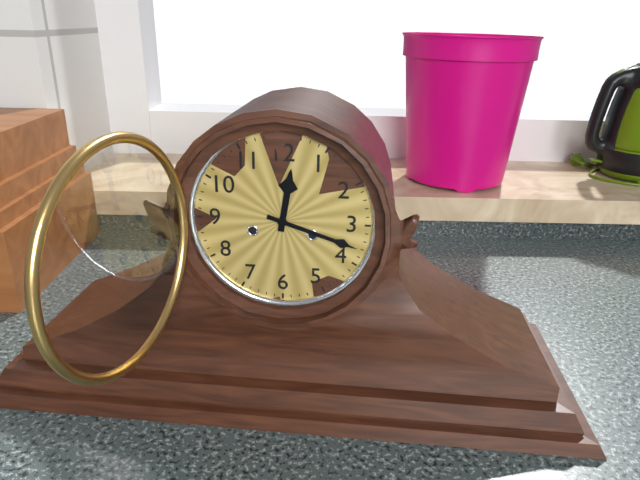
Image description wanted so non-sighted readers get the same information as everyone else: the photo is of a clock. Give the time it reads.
12:18
